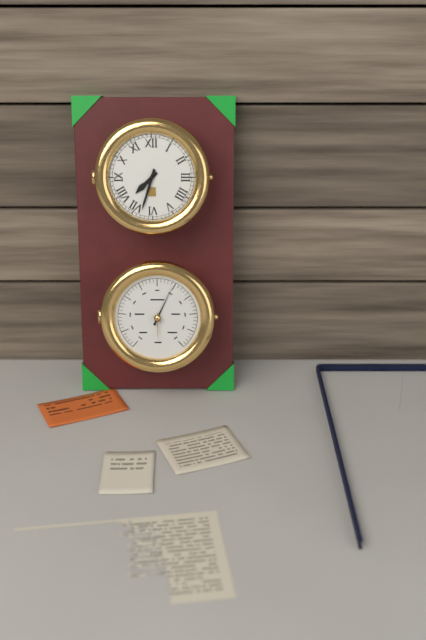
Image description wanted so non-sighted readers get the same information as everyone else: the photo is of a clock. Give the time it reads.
7:33
